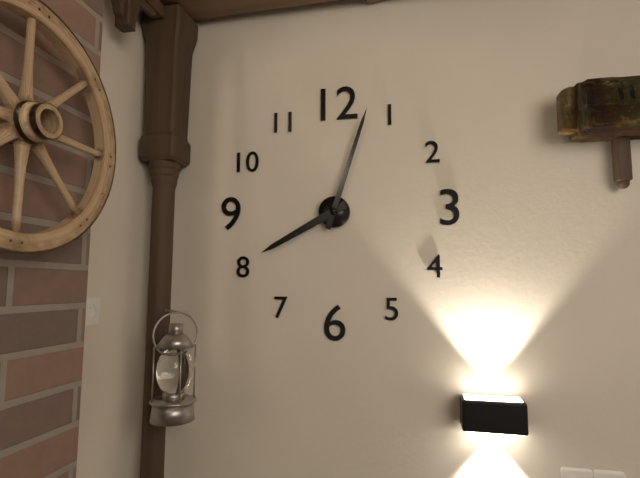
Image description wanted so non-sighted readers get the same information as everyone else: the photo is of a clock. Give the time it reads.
8:03
